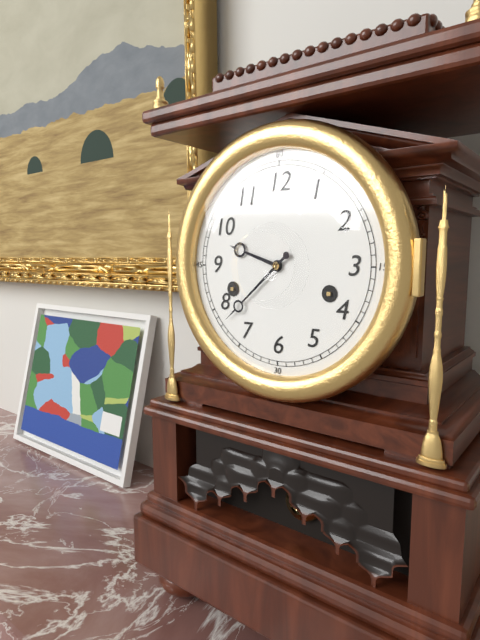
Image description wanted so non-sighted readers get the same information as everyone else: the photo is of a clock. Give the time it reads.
9:38
